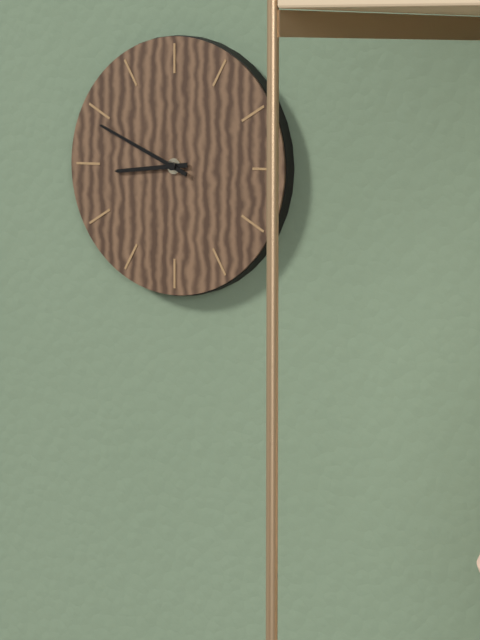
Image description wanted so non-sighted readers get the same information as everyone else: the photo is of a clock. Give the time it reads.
8:49
